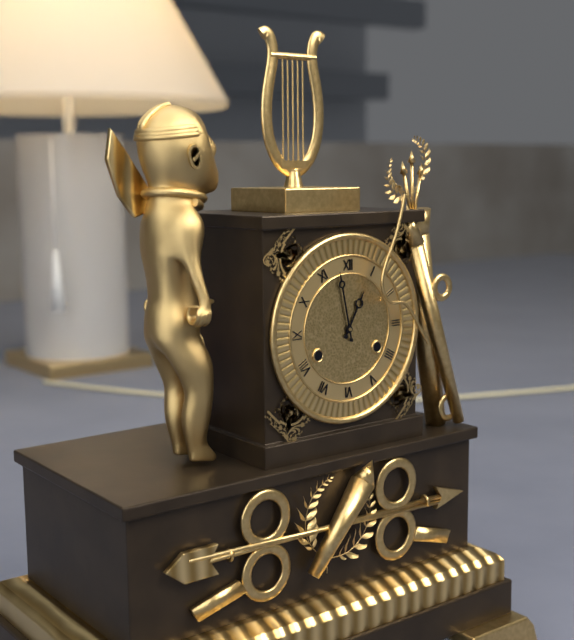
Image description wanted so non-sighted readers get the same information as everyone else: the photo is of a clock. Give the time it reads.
12:58
